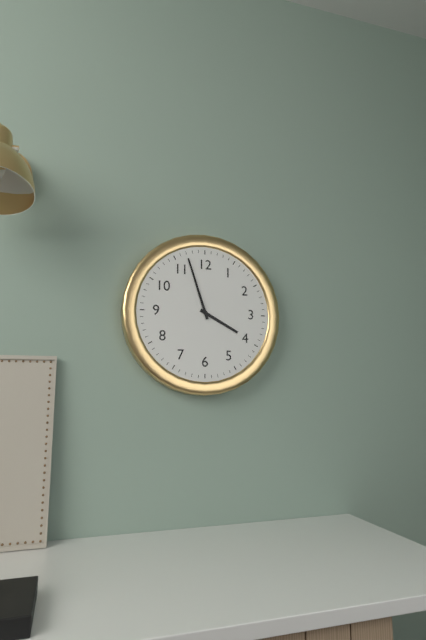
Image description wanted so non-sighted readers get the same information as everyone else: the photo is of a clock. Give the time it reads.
3:57
